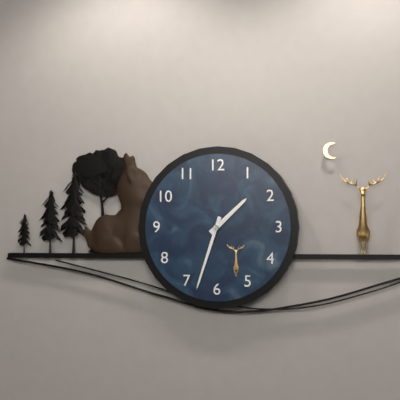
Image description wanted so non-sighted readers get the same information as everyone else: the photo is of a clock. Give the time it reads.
1:33
